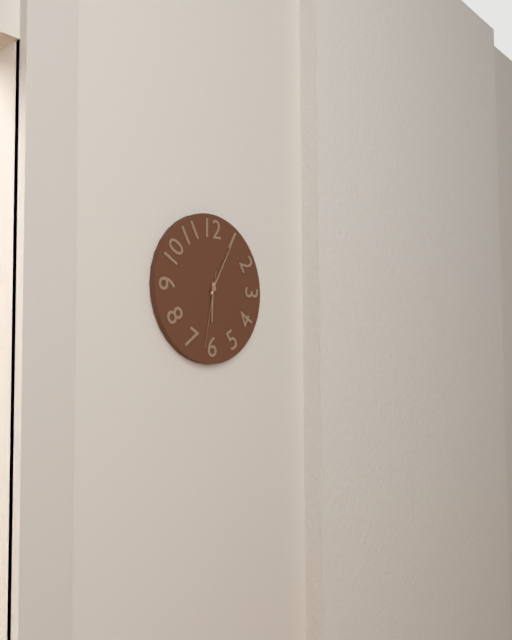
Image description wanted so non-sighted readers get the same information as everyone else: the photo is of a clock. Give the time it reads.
6:05:32
